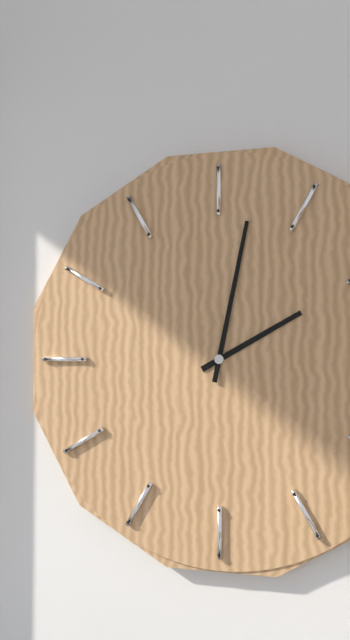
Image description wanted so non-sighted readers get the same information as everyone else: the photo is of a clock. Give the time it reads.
2:02
